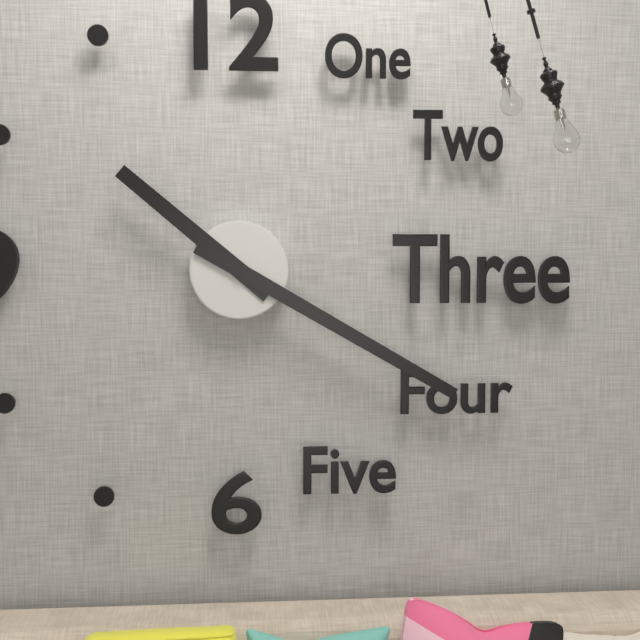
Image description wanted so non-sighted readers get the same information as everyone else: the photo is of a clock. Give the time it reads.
10:20
